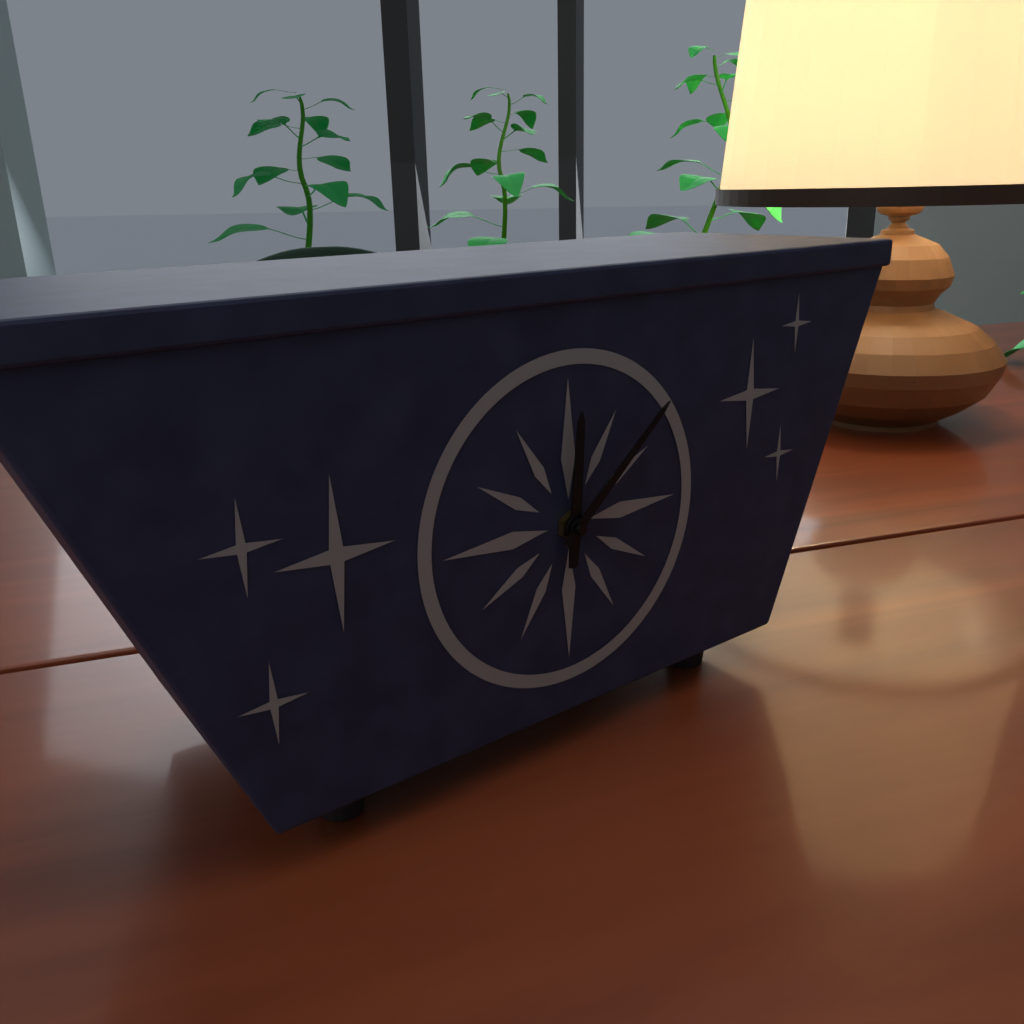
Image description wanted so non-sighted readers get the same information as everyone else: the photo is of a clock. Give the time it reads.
12:08
